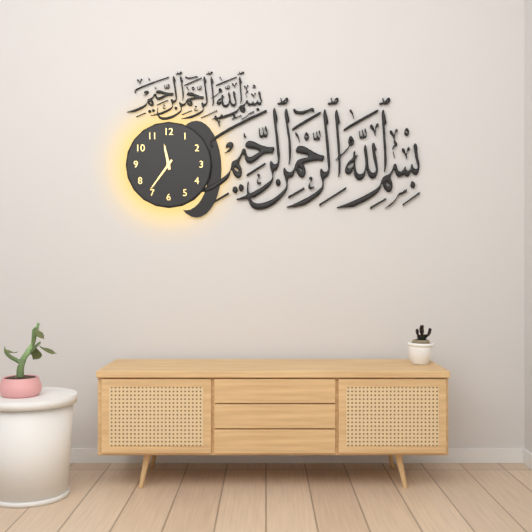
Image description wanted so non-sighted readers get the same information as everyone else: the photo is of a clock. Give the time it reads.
11:36
